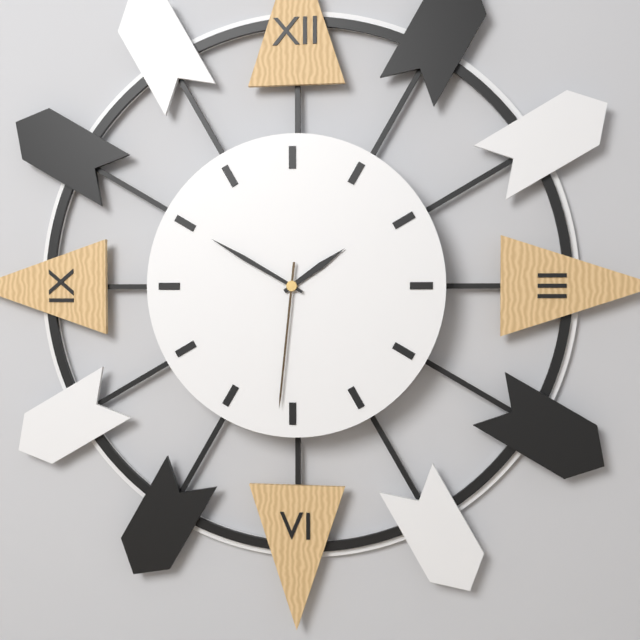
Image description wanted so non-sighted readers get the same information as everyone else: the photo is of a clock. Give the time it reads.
1:50:31
